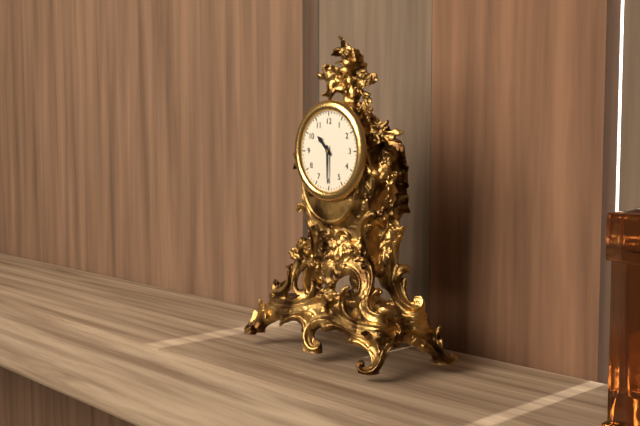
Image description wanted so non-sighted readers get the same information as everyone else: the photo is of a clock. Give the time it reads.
10:30
